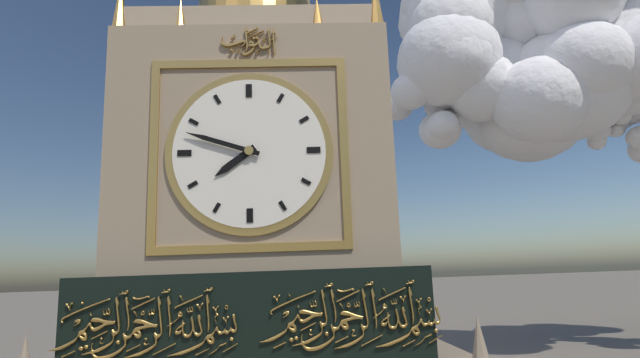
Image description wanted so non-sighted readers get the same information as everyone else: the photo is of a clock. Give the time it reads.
7:48
